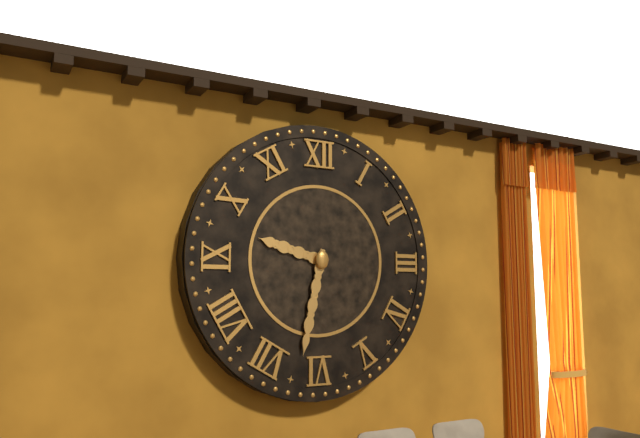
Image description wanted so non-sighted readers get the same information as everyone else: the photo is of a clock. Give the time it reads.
9:32
